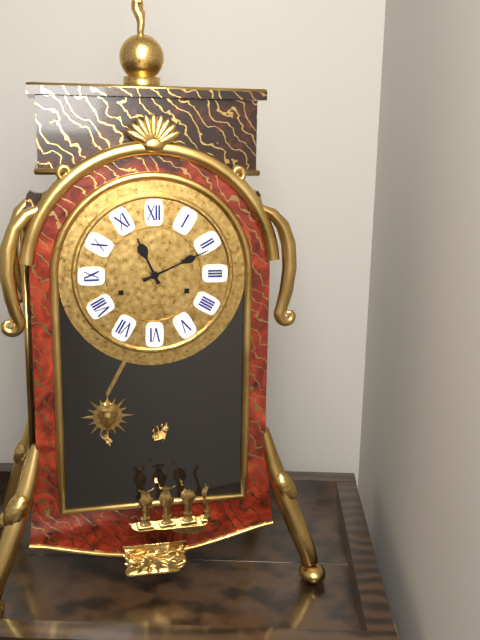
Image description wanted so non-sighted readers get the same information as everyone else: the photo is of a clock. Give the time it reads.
11:11
